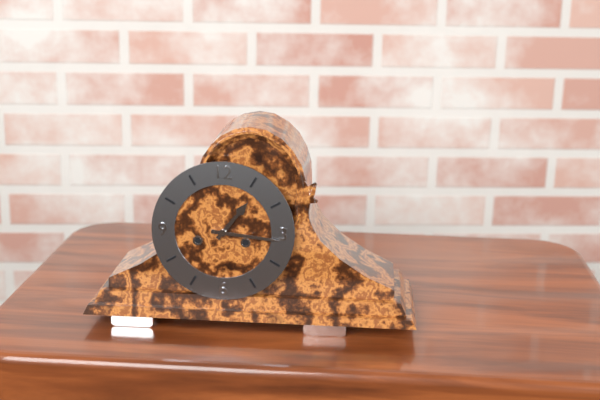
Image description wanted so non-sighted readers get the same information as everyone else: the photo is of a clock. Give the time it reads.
1:16
